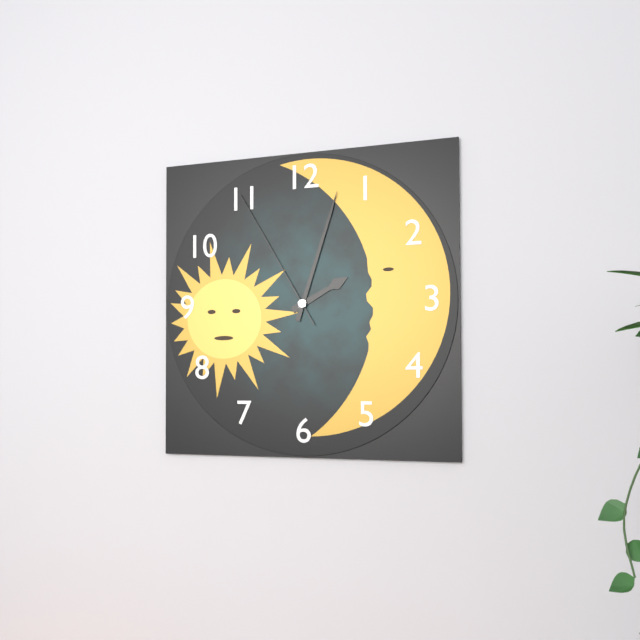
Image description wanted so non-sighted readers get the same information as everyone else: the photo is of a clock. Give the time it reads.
2:03:55
